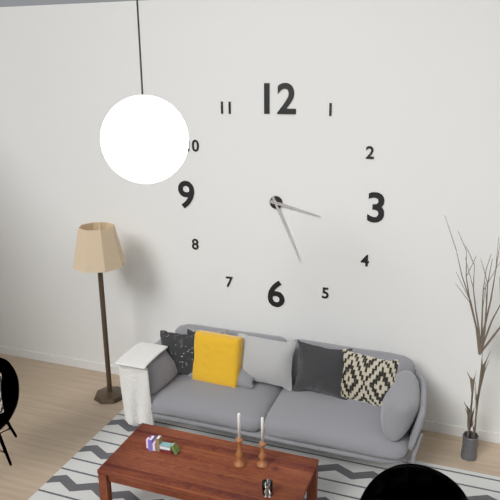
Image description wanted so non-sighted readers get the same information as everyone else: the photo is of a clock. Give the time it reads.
3:26
